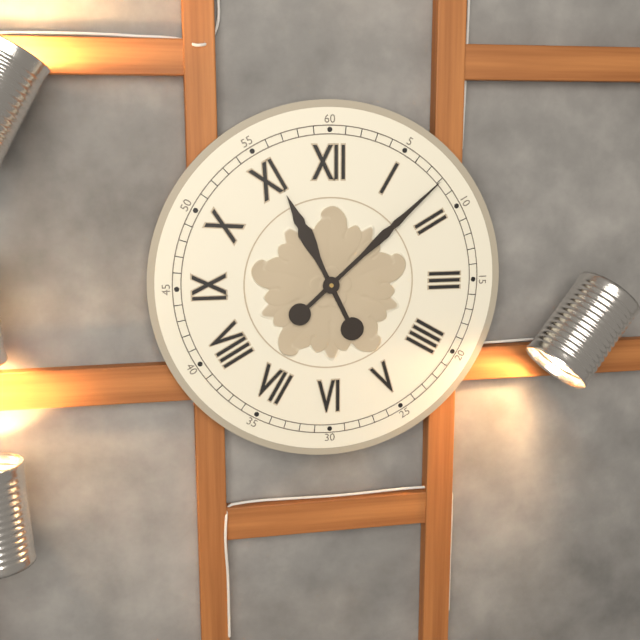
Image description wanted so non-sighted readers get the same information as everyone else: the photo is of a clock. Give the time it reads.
11:08
